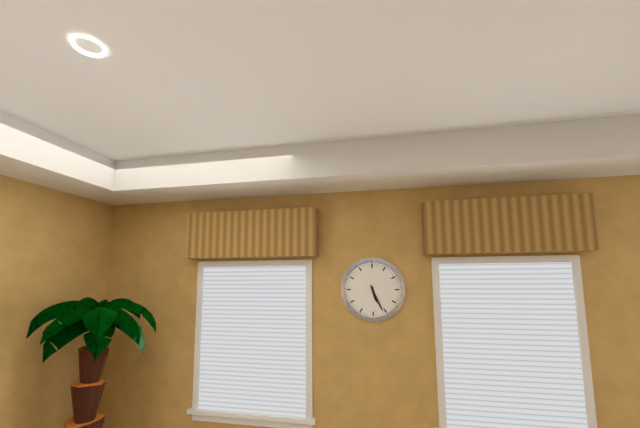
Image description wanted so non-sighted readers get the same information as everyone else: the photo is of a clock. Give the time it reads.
5:26
